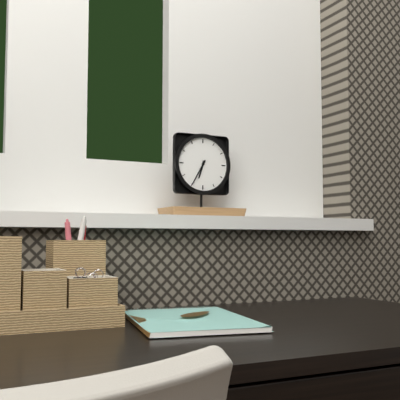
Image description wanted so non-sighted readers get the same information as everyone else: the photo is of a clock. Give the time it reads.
6:35
